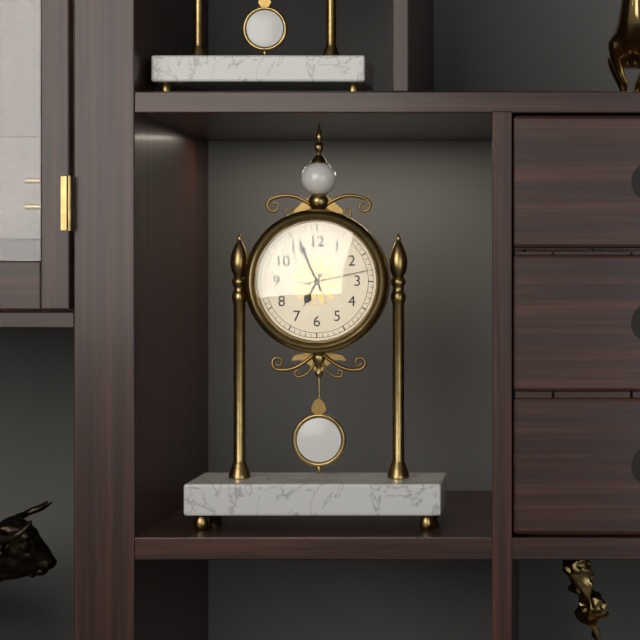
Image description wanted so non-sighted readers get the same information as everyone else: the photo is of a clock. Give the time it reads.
6:56:13
